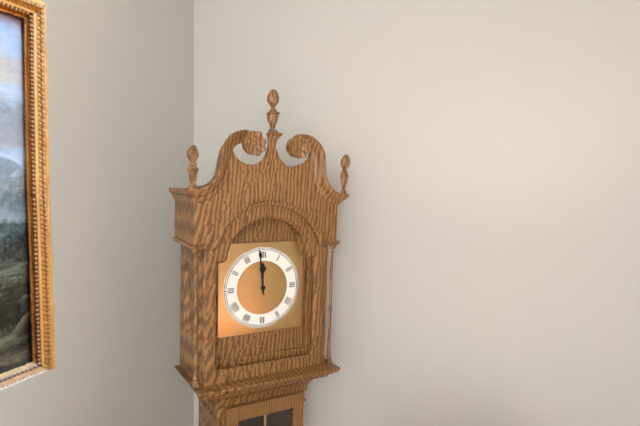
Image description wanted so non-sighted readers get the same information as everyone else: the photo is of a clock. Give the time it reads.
11:59
